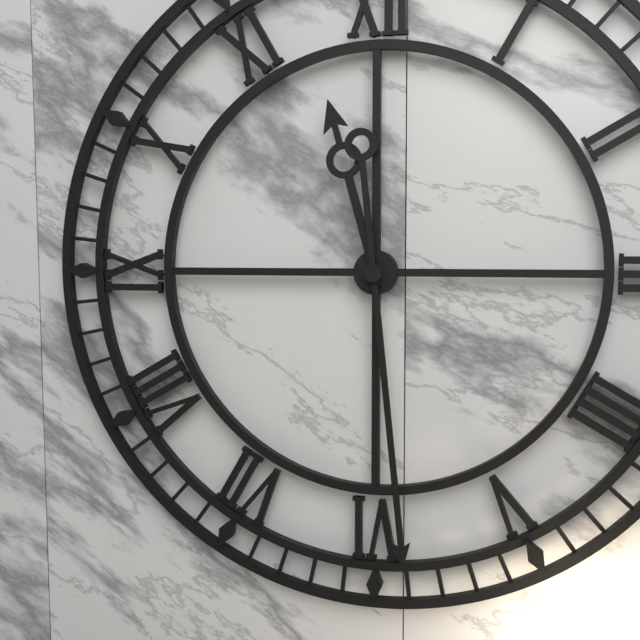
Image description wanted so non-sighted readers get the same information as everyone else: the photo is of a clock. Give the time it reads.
11:29
